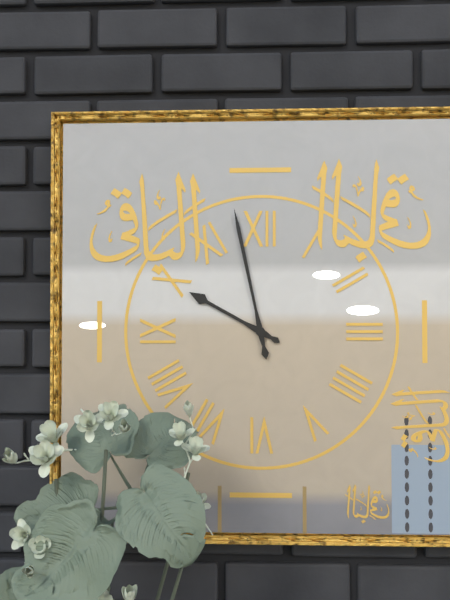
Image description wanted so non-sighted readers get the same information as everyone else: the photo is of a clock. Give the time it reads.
9:58
